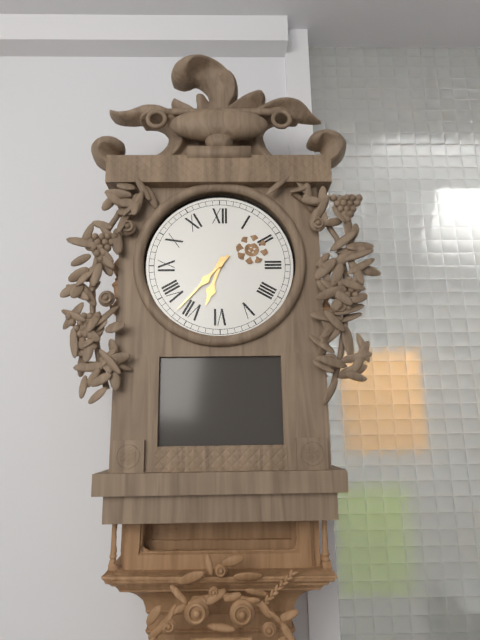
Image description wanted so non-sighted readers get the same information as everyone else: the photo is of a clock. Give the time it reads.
6:37
